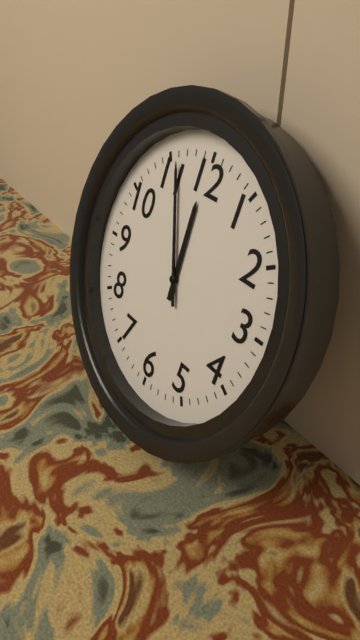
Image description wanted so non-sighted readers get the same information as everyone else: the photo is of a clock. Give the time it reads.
11:56
